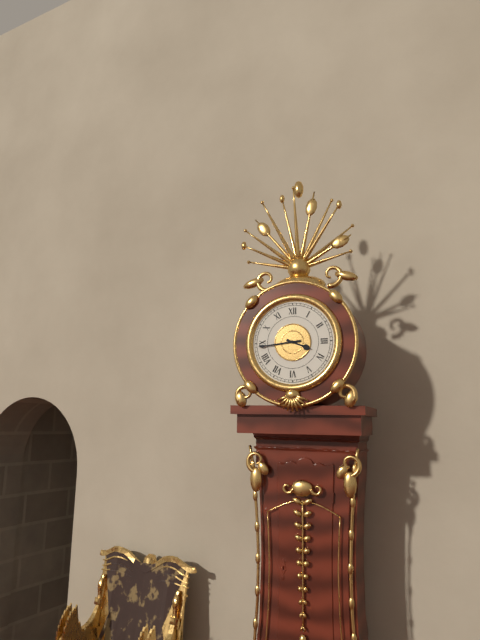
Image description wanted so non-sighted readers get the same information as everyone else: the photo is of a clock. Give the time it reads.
3:44
